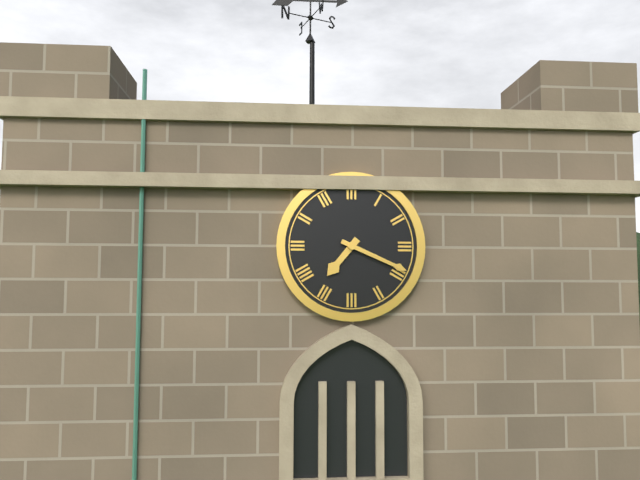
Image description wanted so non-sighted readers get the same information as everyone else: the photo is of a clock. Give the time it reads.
7:19
